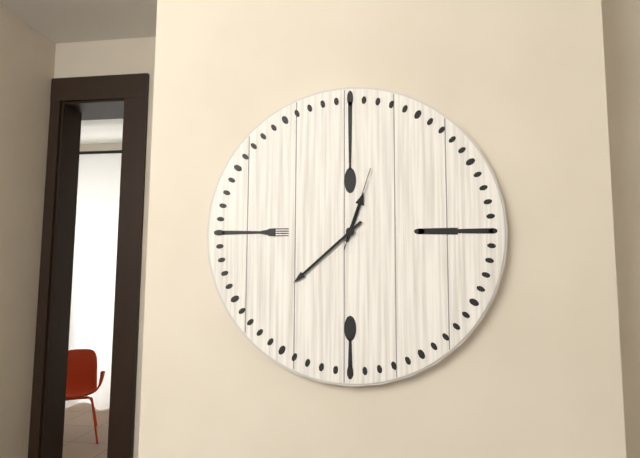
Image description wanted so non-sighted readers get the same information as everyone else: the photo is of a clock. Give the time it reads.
12:38:03
